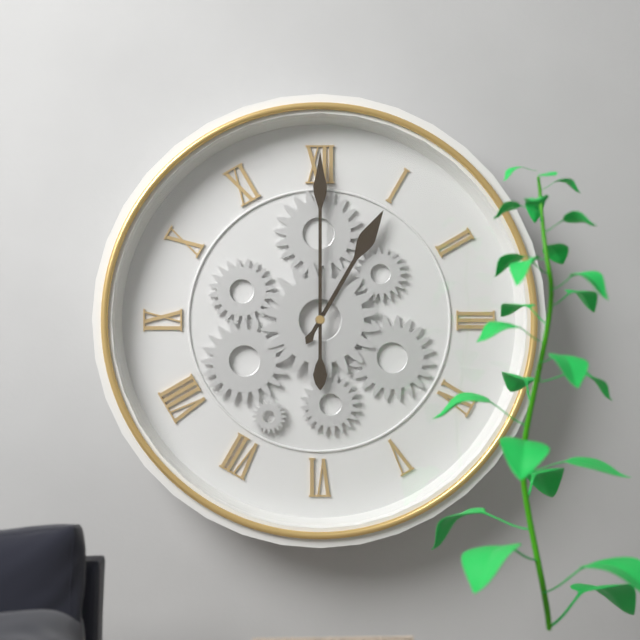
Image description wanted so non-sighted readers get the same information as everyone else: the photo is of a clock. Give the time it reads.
1:00
